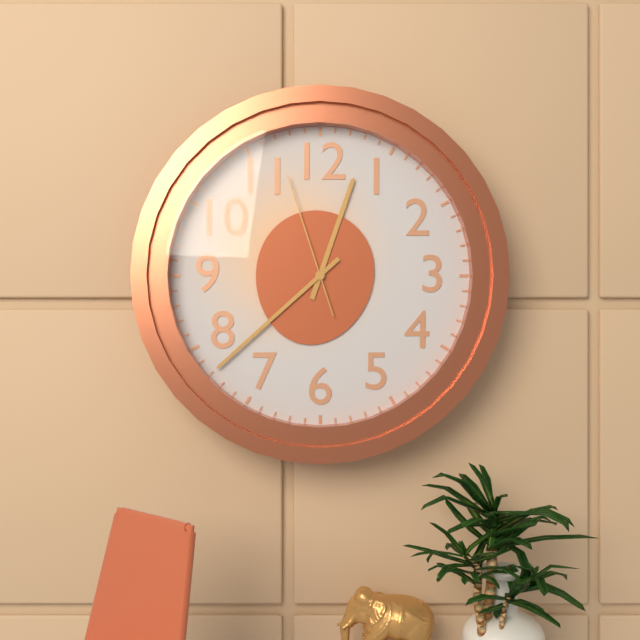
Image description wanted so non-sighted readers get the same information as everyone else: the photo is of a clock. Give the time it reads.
12:38:57
